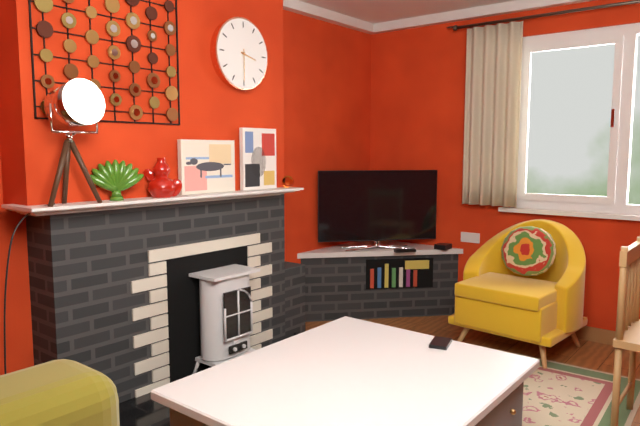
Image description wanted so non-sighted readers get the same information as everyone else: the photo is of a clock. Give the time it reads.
3:30
